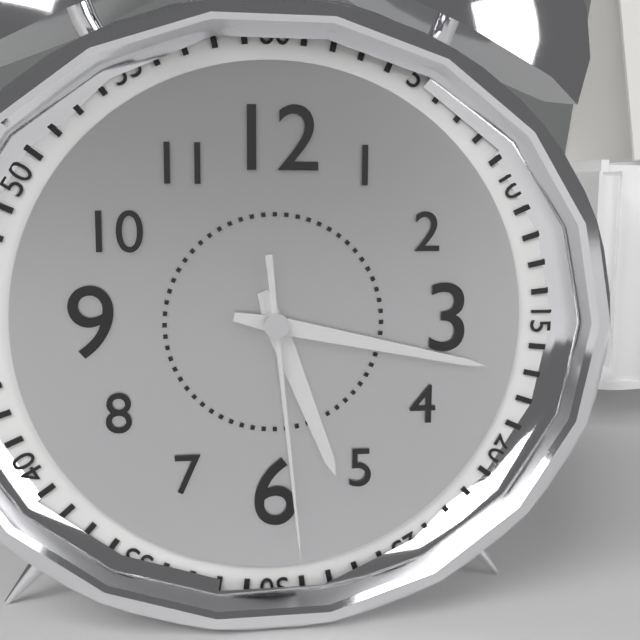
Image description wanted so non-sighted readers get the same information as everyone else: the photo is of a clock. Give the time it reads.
5:17:29
